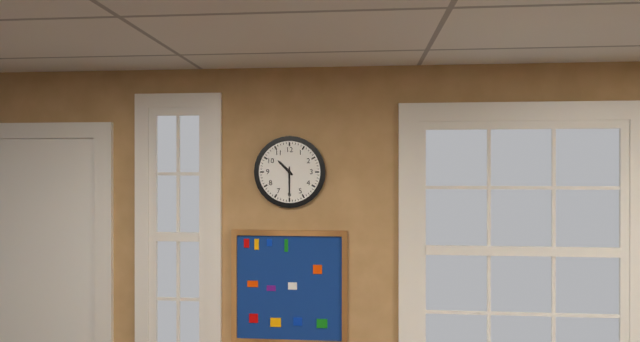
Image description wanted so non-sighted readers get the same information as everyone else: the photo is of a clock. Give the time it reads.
10:30
